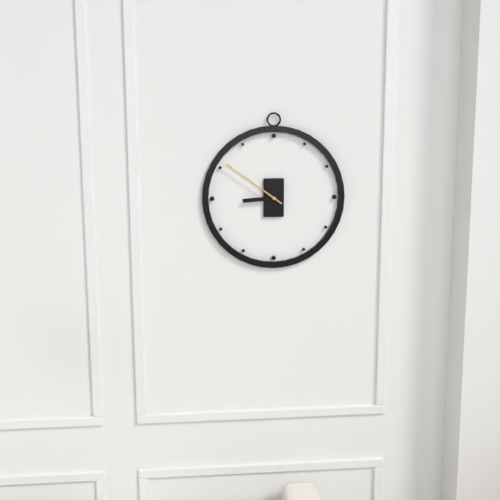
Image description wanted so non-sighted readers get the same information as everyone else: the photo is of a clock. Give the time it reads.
8:51
